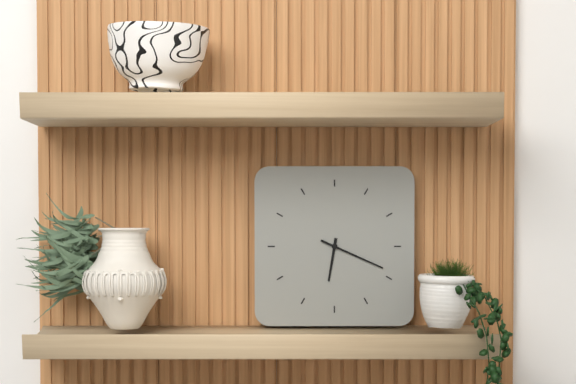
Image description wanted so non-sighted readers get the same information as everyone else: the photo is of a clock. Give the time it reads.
6:19
